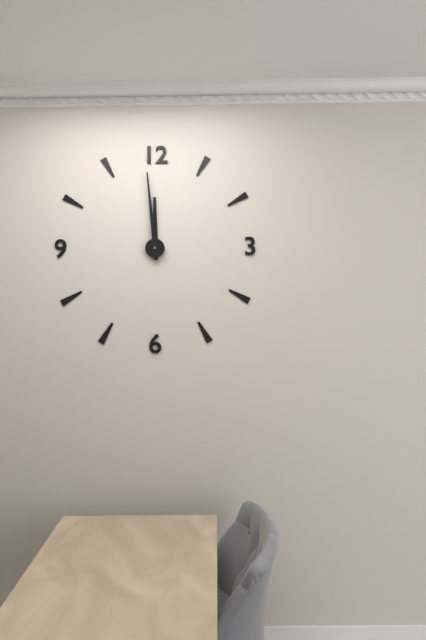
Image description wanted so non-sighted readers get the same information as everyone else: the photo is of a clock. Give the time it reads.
11:59
